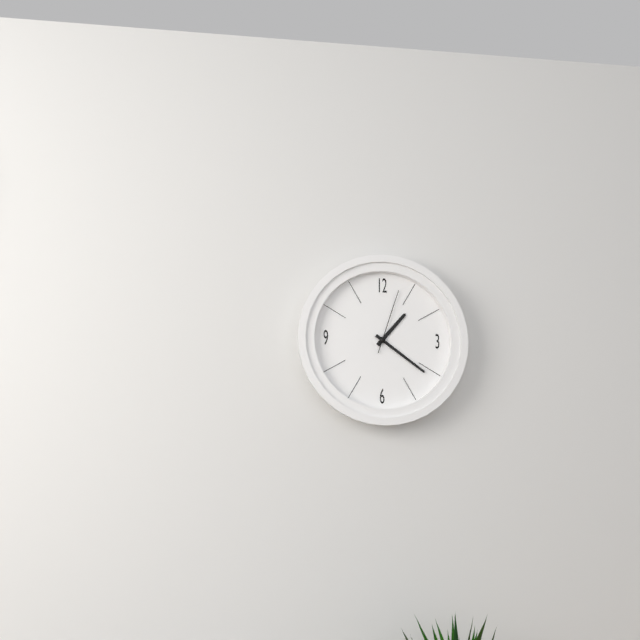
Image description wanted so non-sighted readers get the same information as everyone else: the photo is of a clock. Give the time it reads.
1:21:03
